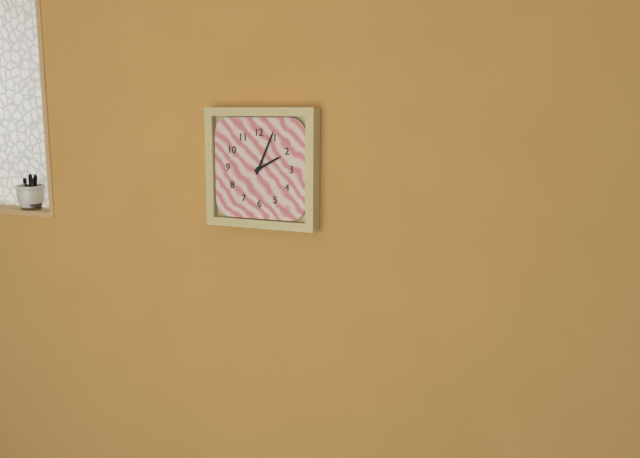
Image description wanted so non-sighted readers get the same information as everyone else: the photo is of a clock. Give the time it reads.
2:04
